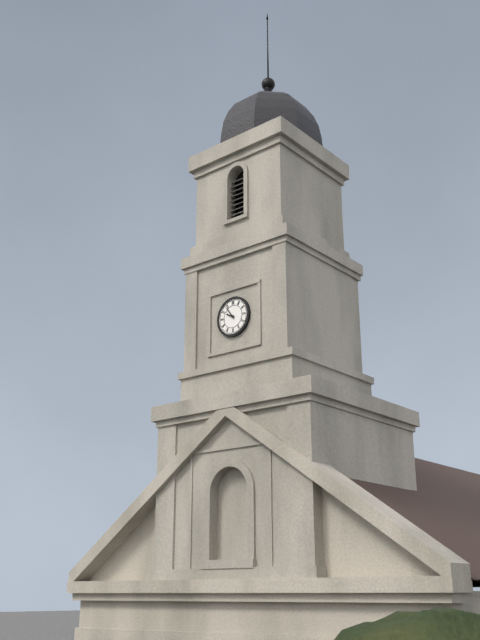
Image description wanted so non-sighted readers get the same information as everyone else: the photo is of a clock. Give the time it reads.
9:54
